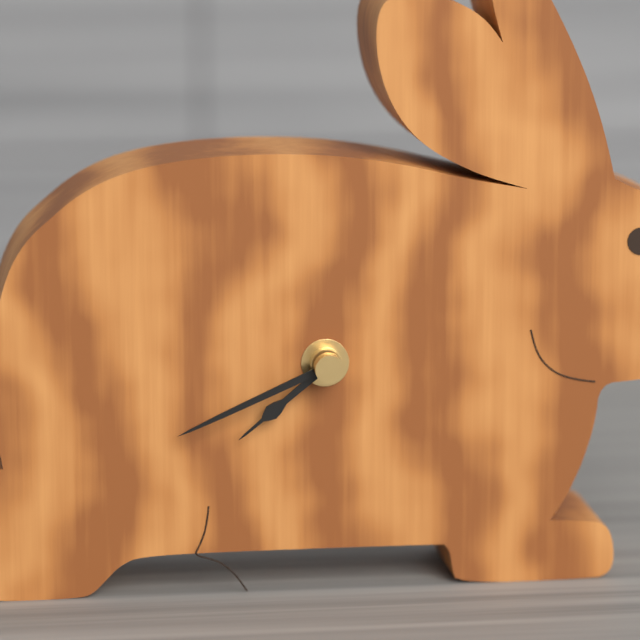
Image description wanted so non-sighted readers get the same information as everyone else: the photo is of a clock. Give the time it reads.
7:41
